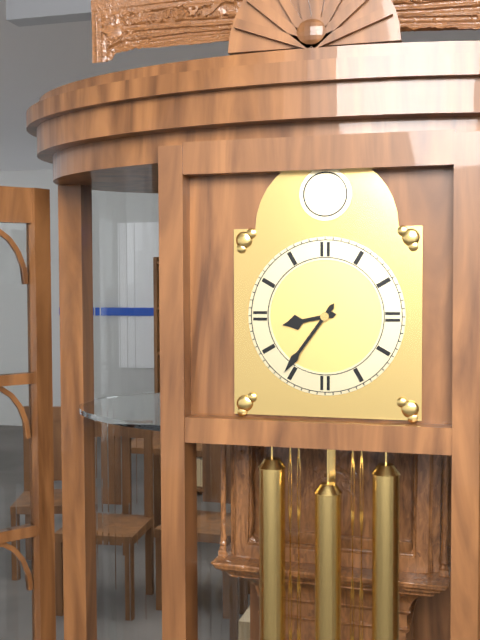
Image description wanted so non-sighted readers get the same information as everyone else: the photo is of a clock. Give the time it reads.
8:36
